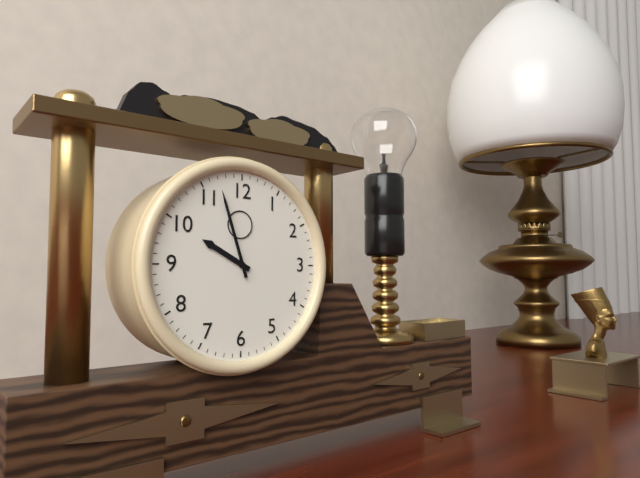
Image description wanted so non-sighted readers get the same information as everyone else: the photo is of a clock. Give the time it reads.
9:57
